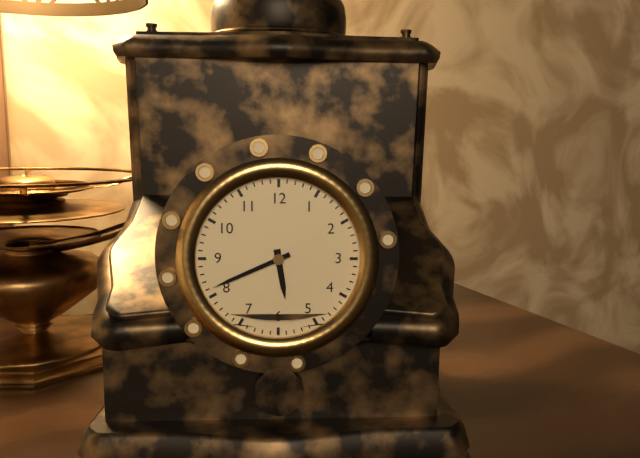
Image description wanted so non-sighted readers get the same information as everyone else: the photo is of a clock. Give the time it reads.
5:41
